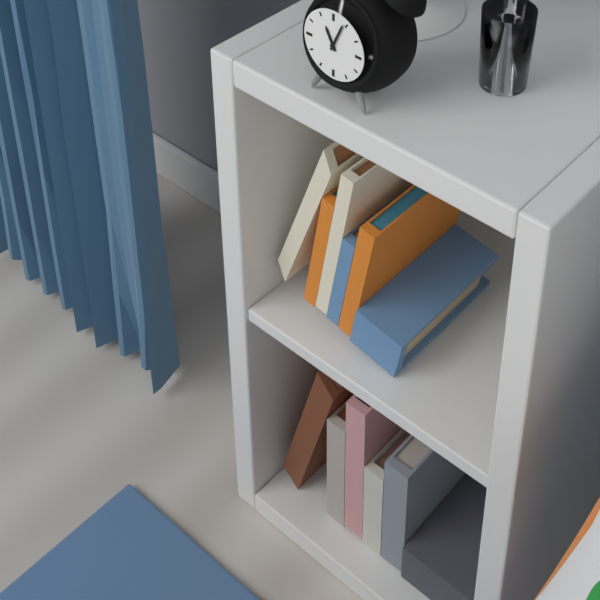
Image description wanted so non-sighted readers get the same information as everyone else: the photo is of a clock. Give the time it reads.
11:04
